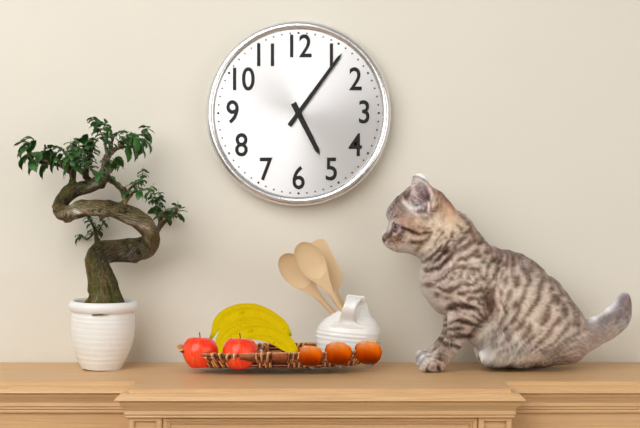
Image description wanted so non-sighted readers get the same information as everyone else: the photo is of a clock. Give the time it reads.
5:06
